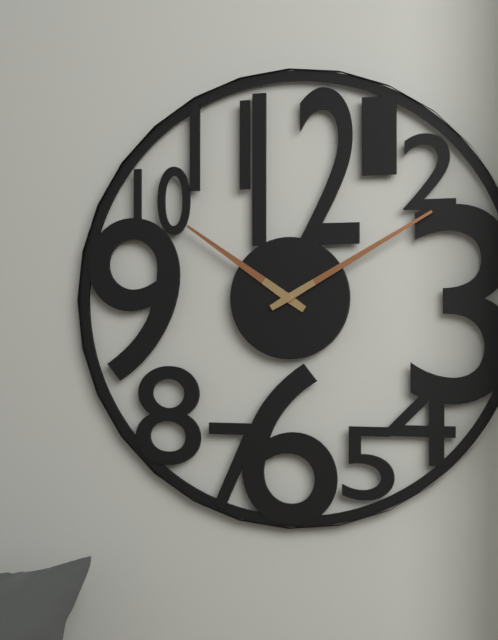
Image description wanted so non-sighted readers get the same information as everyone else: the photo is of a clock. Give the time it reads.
10:10
